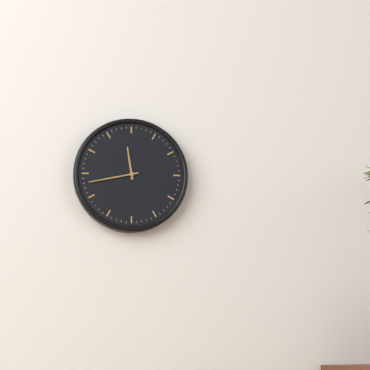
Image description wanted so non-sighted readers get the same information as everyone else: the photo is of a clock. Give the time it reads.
11:43
